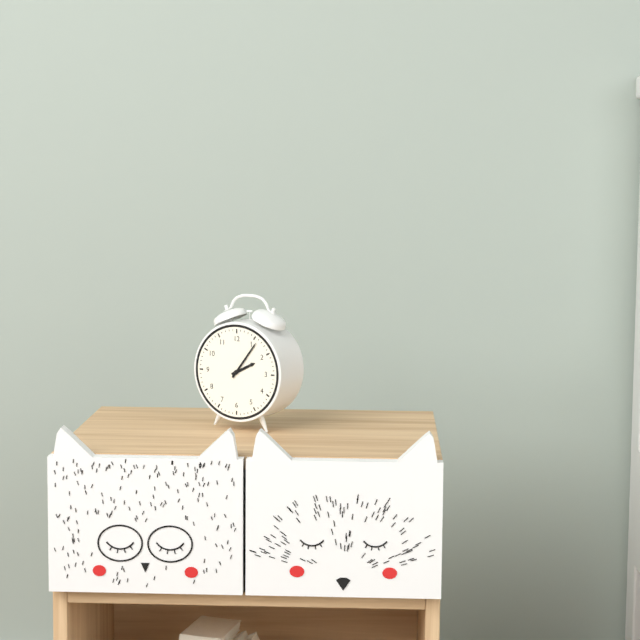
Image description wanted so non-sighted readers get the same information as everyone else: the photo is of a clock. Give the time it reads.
2:06
